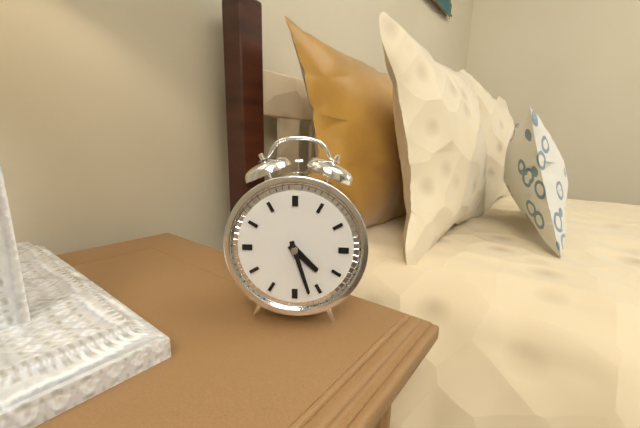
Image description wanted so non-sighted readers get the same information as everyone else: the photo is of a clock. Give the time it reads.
4:27
